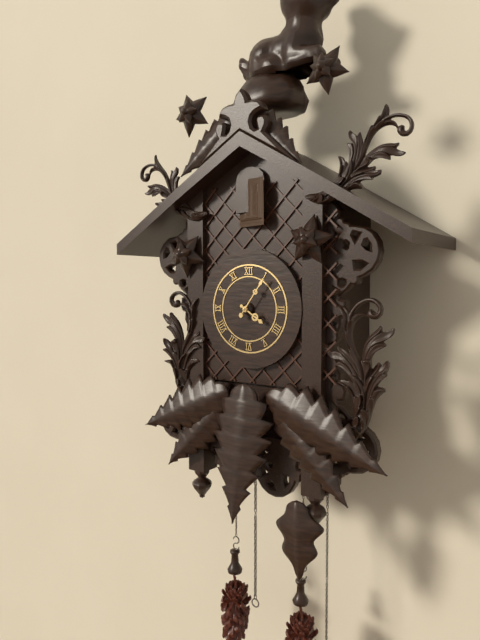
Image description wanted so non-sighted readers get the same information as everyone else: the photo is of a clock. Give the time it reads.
4:06
